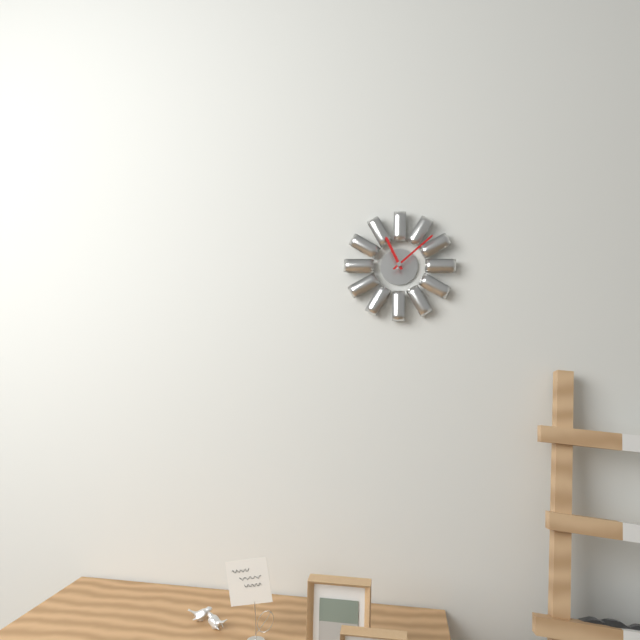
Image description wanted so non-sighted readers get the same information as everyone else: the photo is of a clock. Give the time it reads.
11:08
